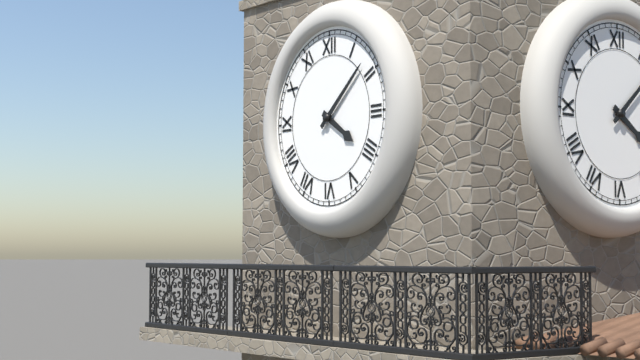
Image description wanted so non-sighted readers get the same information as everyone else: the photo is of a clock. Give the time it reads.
4:08
